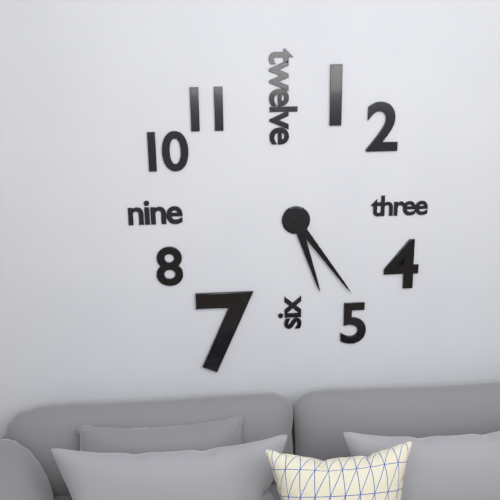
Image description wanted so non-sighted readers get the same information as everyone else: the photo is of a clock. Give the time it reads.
5:24
